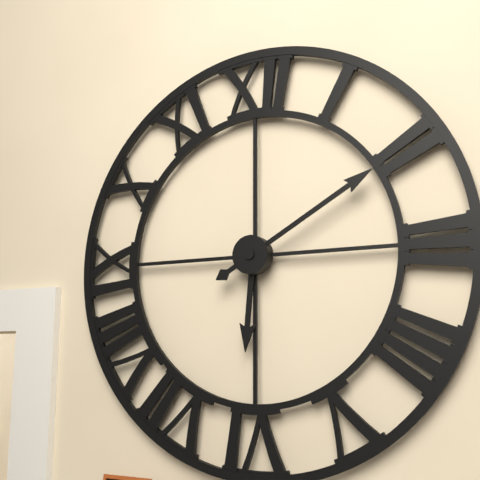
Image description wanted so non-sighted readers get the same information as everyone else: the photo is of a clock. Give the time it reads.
6:10
